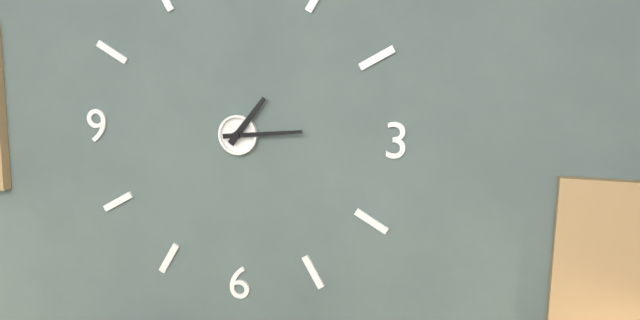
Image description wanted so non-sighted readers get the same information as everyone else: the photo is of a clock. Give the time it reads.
1:14
